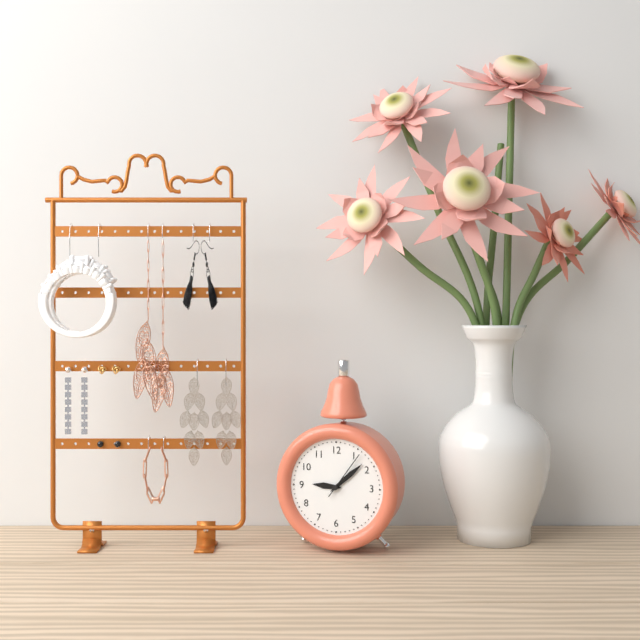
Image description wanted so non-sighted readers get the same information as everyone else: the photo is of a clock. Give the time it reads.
9:08:06
